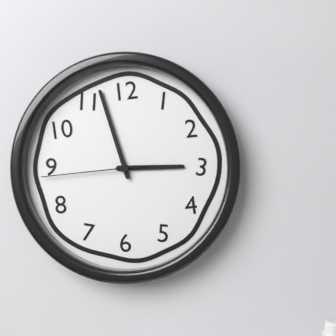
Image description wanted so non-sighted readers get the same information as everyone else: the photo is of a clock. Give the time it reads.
2:57:44
